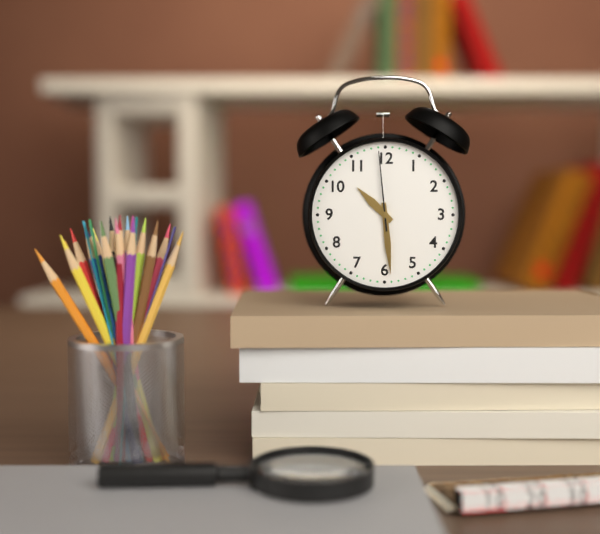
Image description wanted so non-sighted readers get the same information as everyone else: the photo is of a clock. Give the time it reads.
10:29:59
